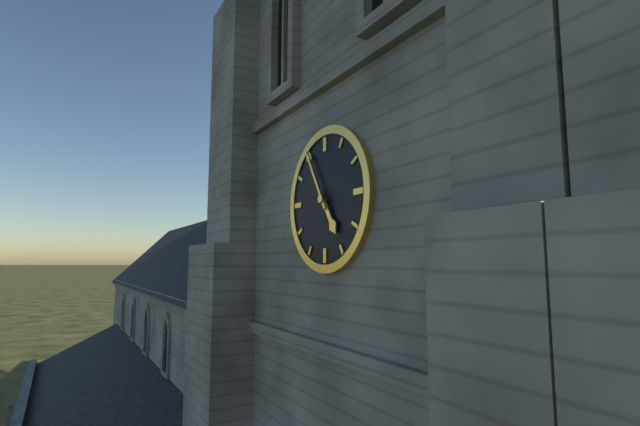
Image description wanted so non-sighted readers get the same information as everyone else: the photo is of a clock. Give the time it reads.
4:55
